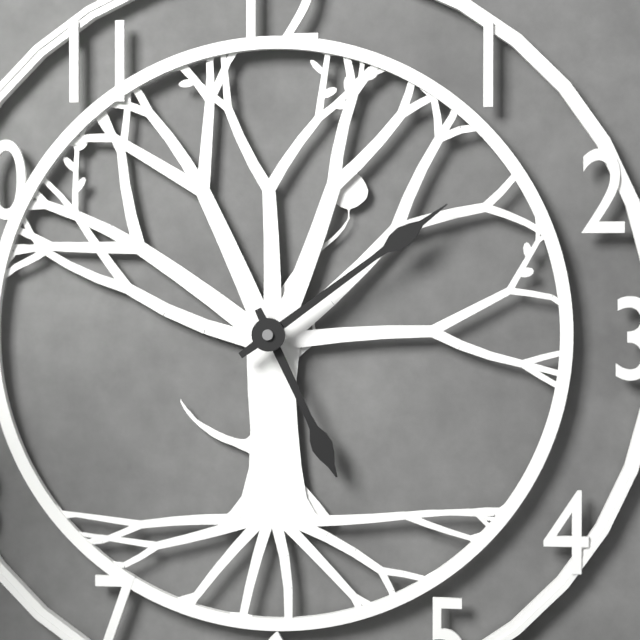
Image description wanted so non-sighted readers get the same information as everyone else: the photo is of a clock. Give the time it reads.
5:09
